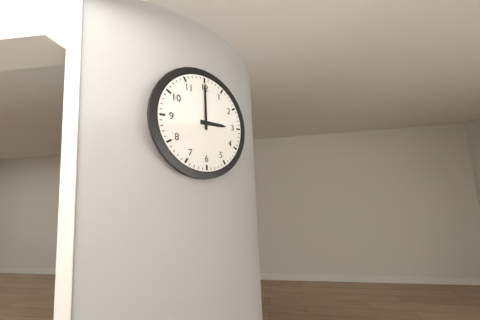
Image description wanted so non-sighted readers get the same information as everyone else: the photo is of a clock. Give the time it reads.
3:00
